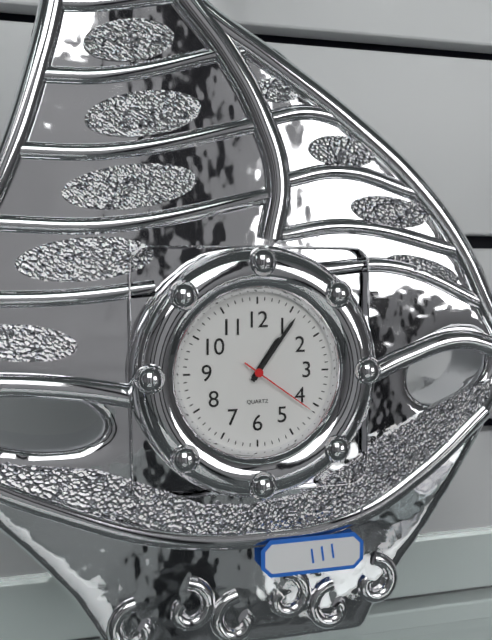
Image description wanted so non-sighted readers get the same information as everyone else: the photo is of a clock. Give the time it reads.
1:06:21
